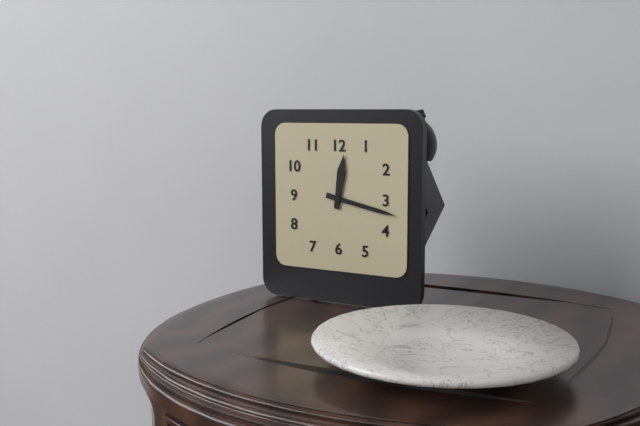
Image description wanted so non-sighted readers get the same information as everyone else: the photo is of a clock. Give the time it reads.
12:17
